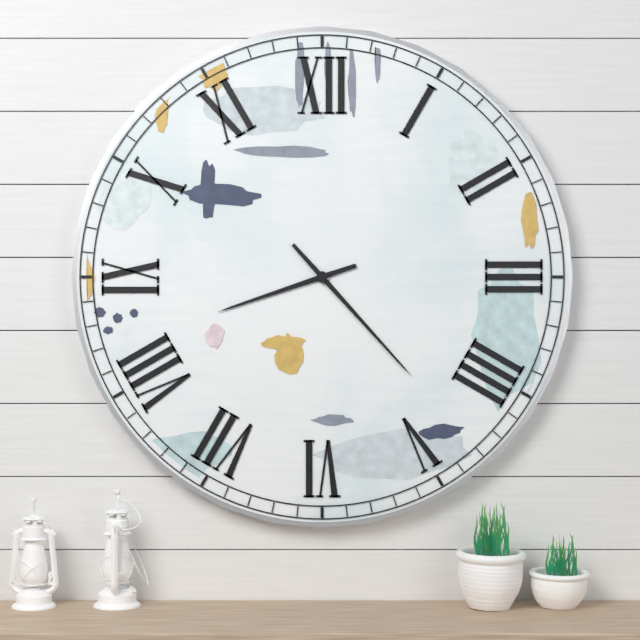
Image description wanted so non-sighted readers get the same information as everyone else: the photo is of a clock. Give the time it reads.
8:23
